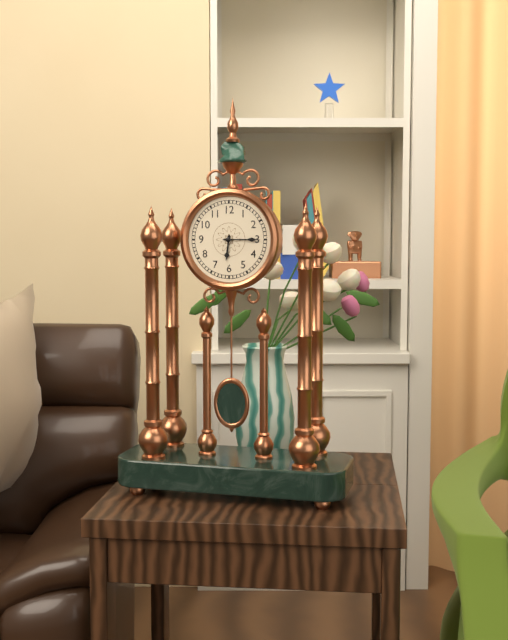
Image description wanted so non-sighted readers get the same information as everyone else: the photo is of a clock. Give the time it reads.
6:15
